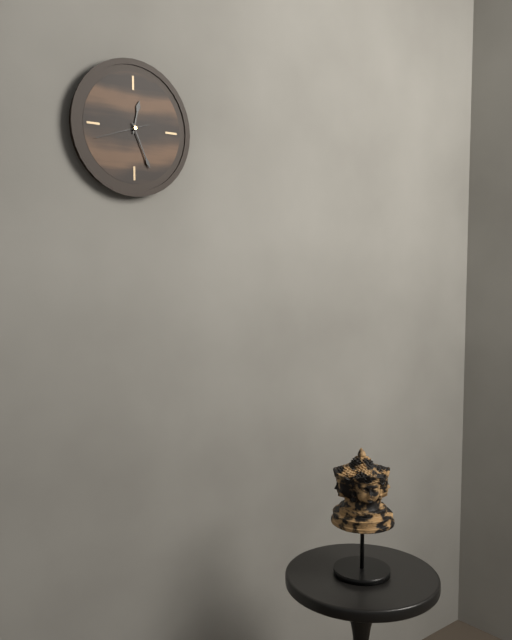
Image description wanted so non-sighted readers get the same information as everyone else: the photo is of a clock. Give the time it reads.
12:26
